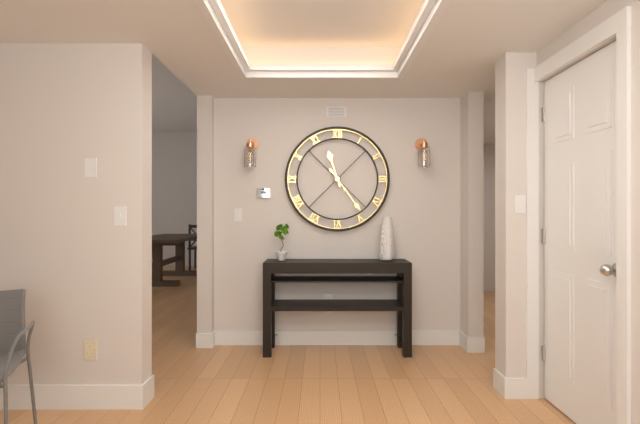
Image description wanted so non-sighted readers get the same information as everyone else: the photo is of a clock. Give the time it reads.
11:24
